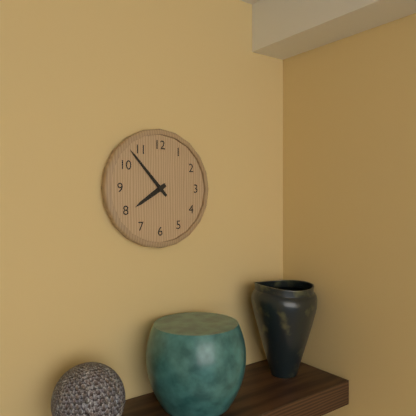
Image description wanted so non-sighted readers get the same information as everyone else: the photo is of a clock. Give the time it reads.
7:53
